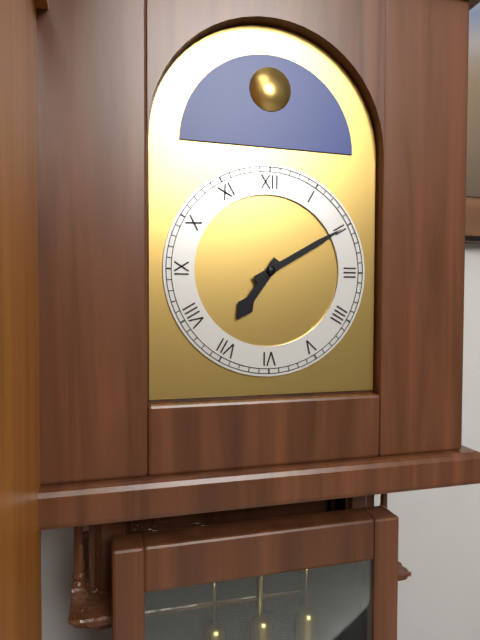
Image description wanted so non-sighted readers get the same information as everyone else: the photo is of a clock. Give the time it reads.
7:10
